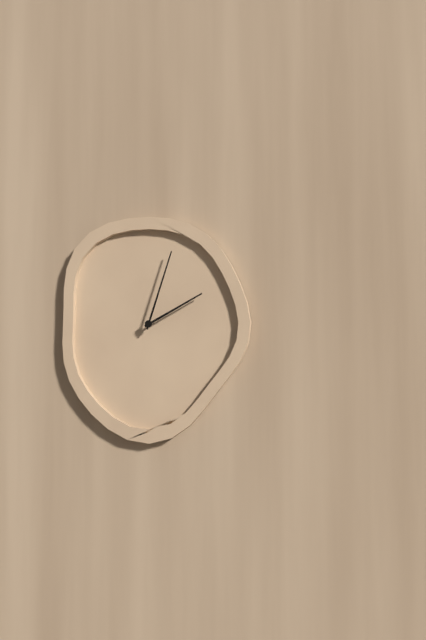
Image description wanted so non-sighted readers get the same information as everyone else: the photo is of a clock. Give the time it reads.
2:03
